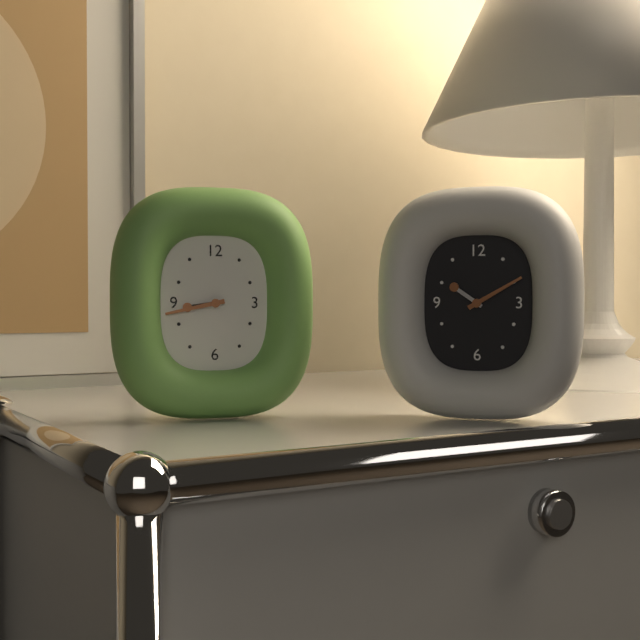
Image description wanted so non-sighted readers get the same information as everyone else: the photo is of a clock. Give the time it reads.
8:43
